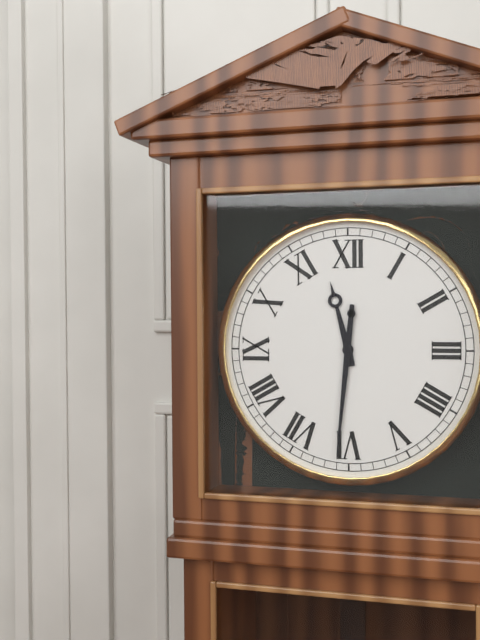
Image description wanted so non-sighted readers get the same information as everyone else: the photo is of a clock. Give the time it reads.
11:31
